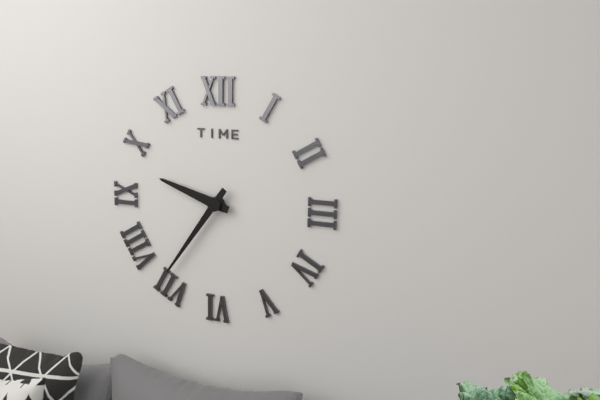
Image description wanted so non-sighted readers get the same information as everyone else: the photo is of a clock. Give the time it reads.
9:36
